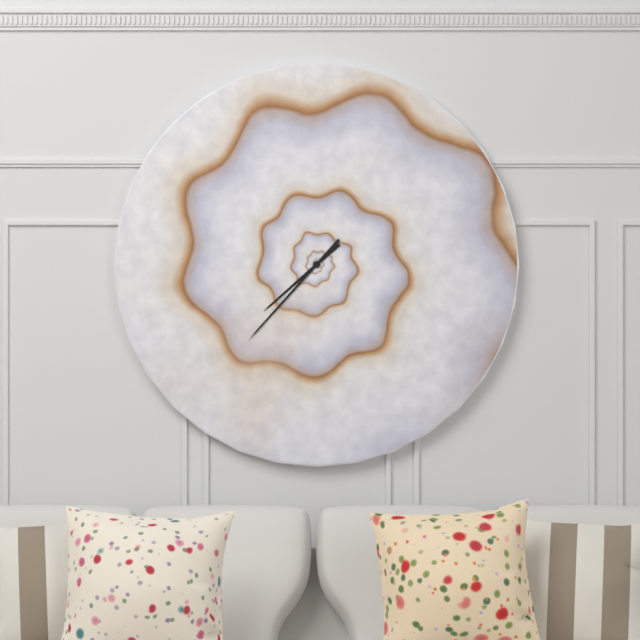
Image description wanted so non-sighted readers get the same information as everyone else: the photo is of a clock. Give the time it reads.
7:37
